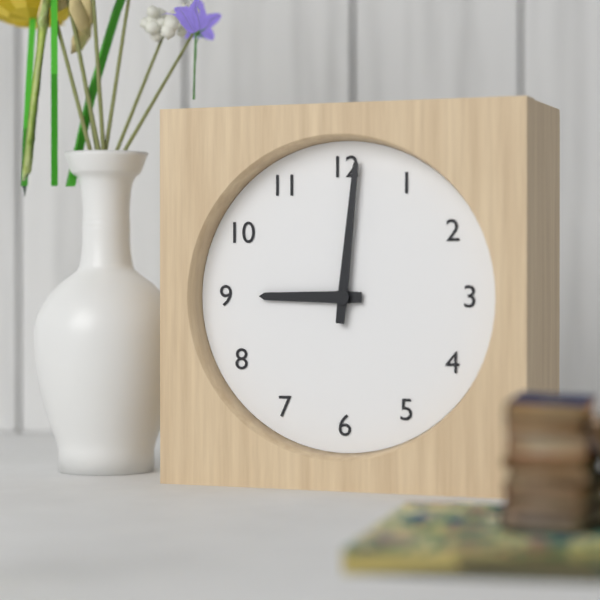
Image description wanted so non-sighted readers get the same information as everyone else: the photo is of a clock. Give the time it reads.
9:01
